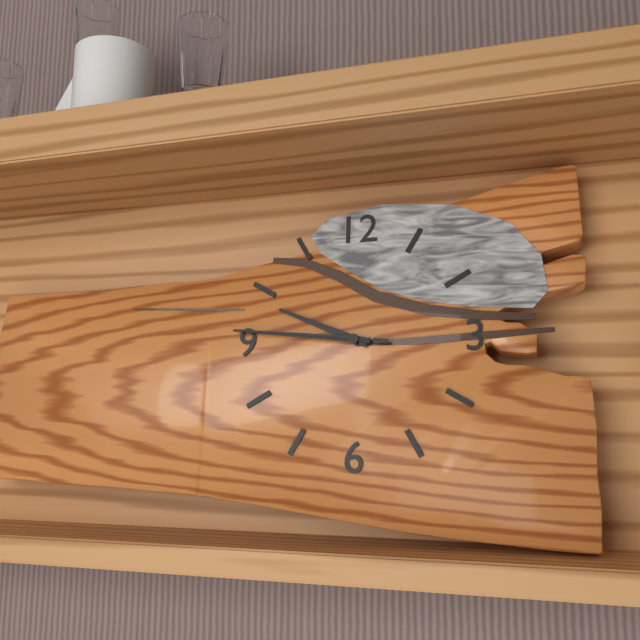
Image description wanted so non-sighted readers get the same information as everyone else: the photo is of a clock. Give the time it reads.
9:46:46
